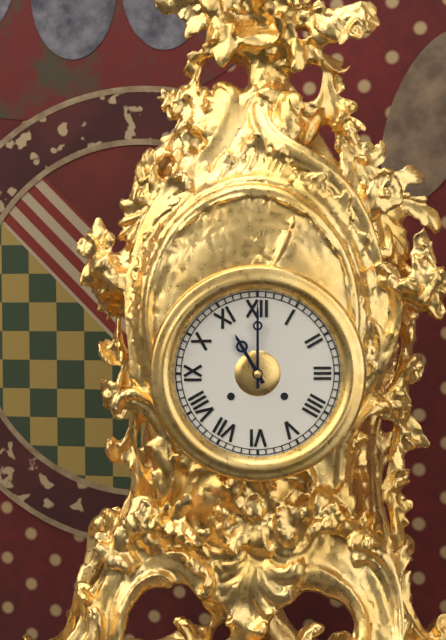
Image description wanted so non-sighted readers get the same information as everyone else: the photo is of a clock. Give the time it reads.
11:00
